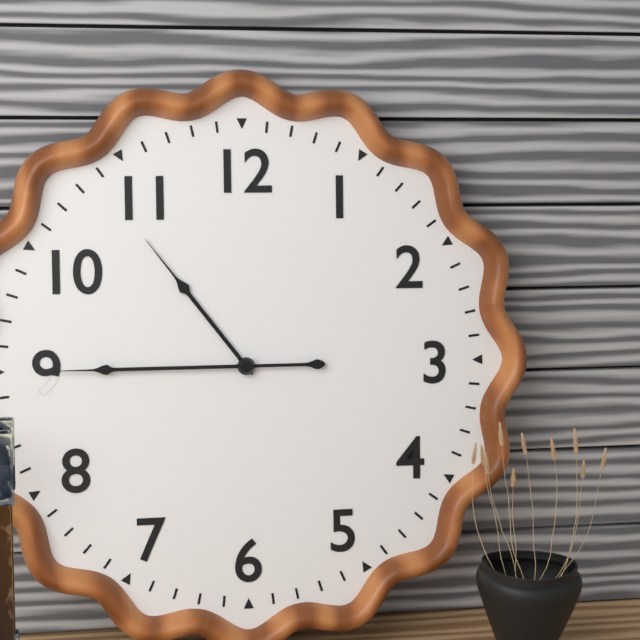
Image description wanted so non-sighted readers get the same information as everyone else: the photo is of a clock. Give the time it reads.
10:45
